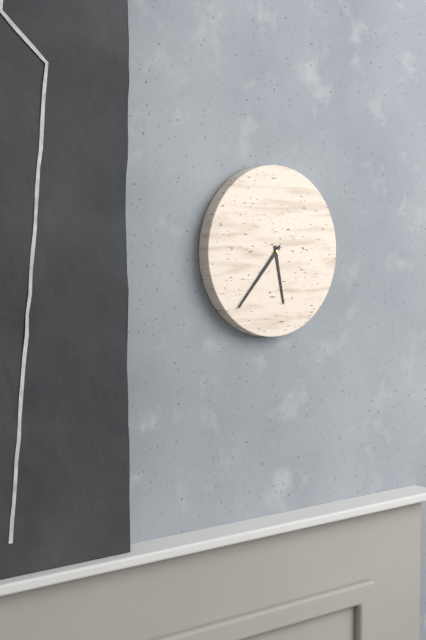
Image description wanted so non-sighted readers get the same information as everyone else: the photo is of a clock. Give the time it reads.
5:37
